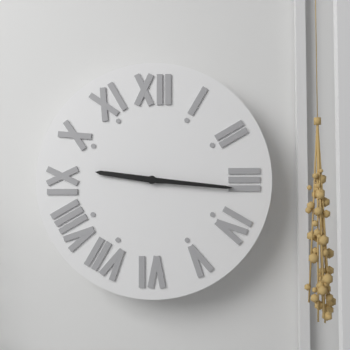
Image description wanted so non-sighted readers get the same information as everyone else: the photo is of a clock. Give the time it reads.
9:16
